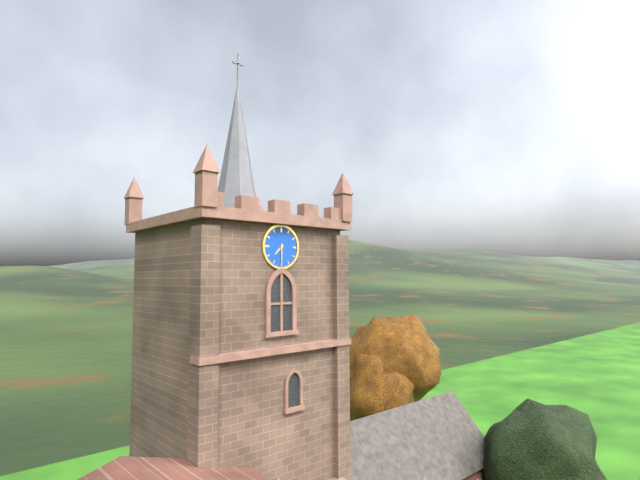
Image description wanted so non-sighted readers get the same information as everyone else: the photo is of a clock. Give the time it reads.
7:30
